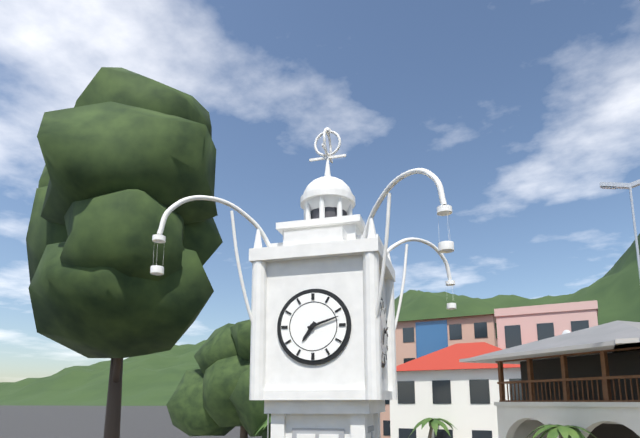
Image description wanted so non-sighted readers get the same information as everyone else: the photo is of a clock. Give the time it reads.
7:12
